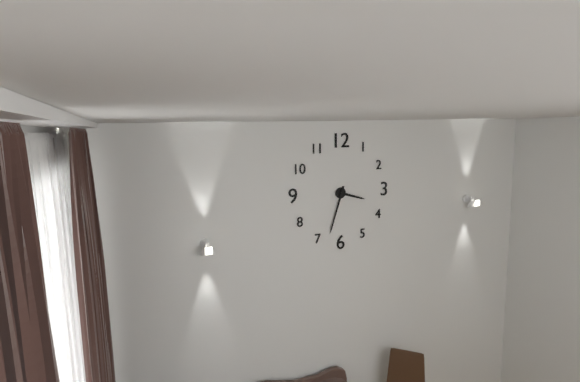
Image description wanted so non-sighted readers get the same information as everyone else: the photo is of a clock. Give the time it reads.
3:33
